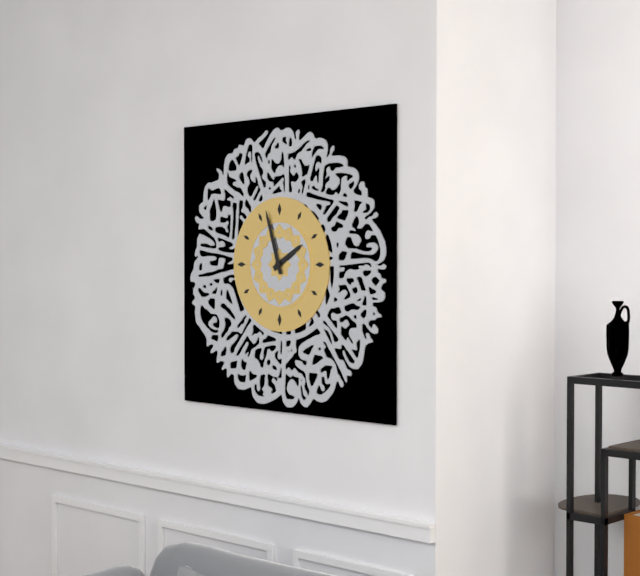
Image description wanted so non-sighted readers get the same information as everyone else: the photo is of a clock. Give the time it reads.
1:57
